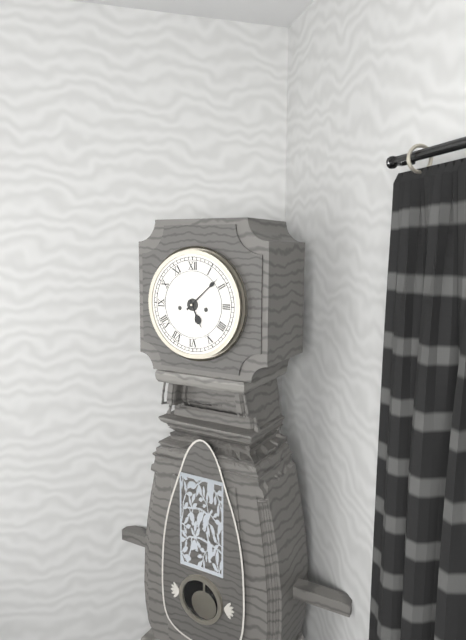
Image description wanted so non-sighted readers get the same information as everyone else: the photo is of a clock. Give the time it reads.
5:08
